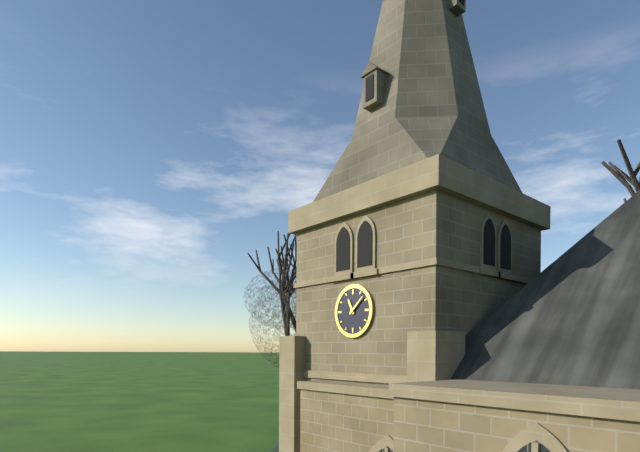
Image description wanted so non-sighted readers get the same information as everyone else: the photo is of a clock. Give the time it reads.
11:08
